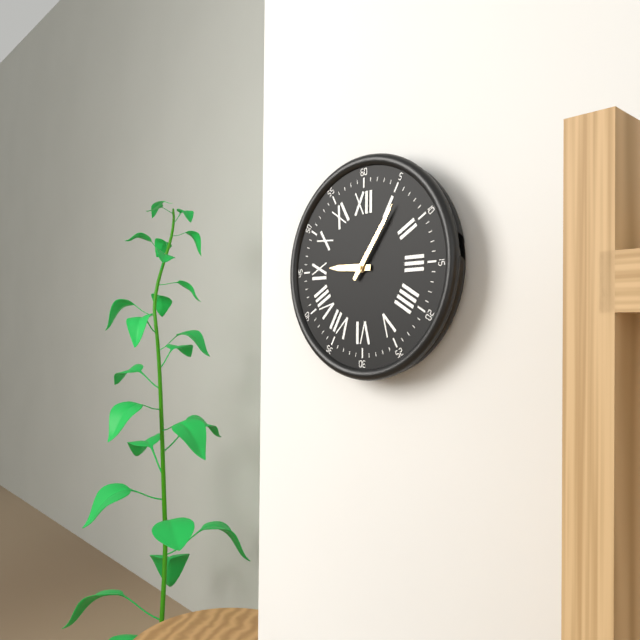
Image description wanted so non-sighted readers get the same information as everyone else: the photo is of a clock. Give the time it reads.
9:06
